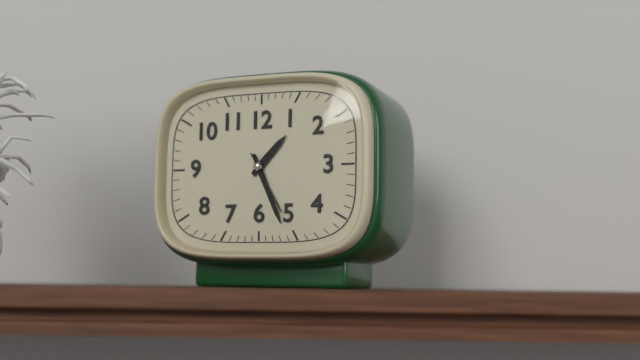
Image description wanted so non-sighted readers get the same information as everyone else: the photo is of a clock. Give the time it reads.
1:26:25
